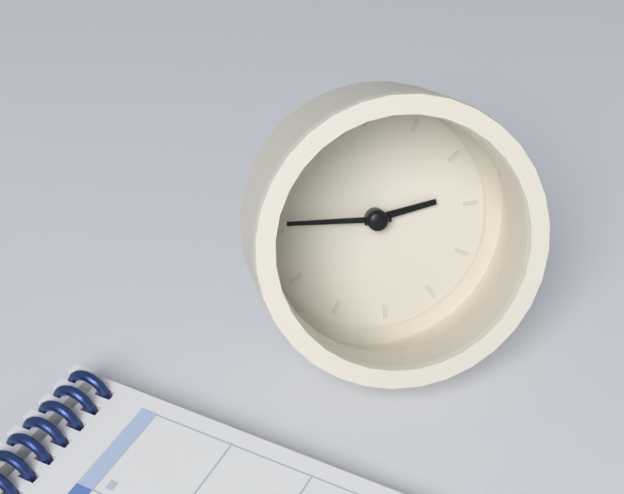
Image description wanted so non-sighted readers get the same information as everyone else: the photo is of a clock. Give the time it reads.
2:46
